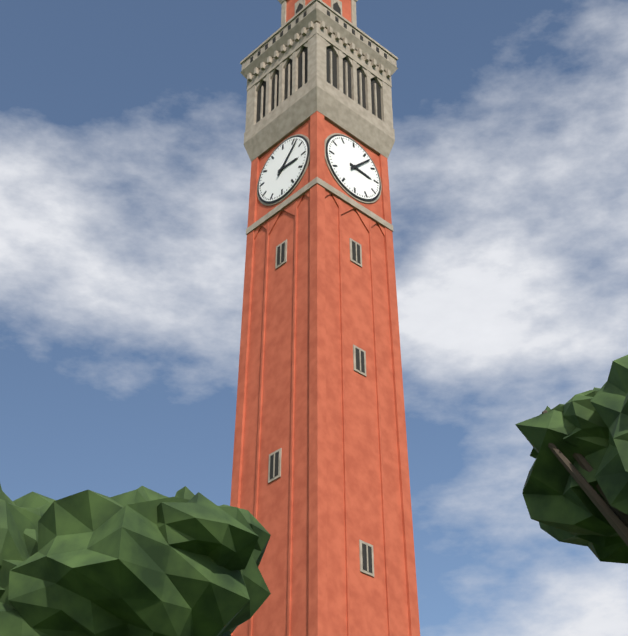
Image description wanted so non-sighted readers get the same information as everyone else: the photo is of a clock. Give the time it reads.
3:07
